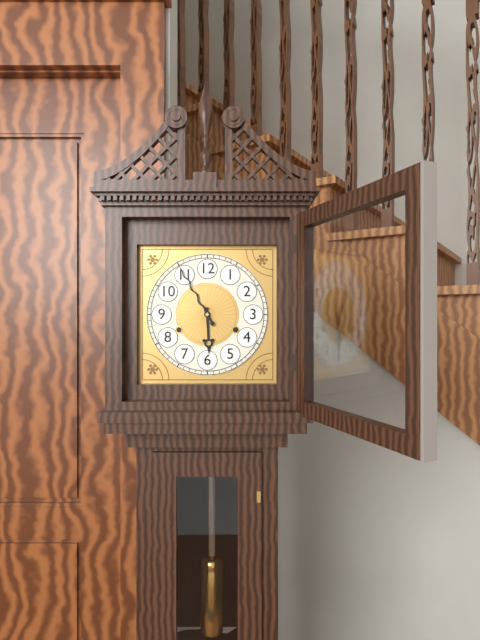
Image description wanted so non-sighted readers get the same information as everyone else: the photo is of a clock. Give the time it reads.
5:55
